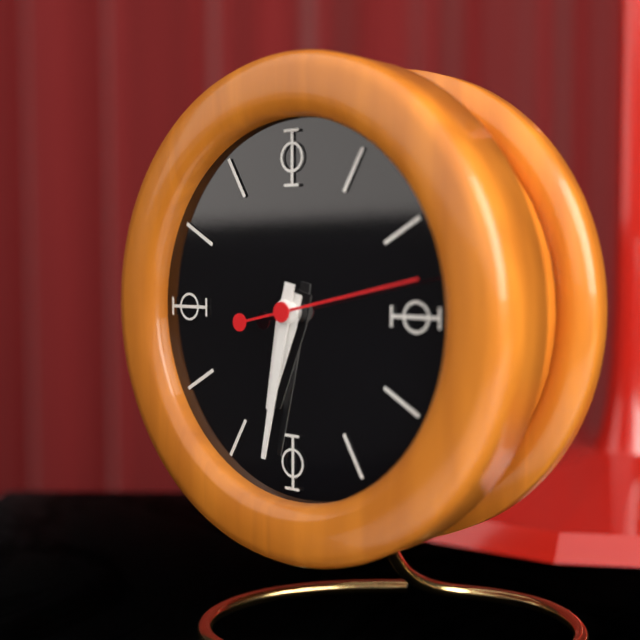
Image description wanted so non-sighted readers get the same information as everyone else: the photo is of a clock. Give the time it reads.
6:32:13
